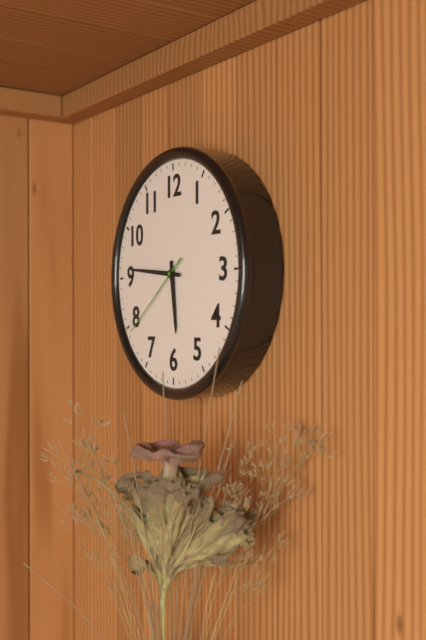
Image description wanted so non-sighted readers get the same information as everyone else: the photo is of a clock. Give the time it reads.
5:46:39
